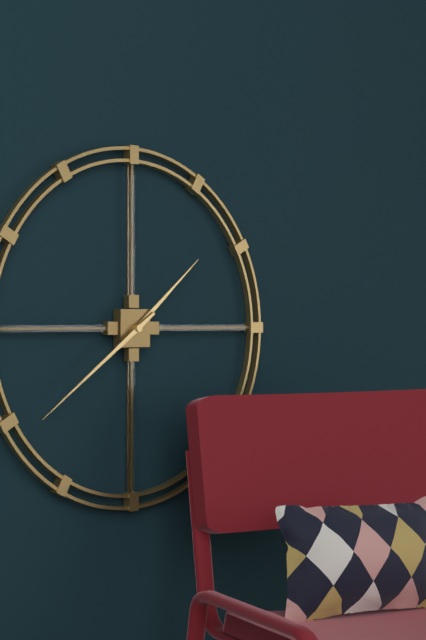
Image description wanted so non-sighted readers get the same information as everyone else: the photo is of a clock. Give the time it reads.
1:39
